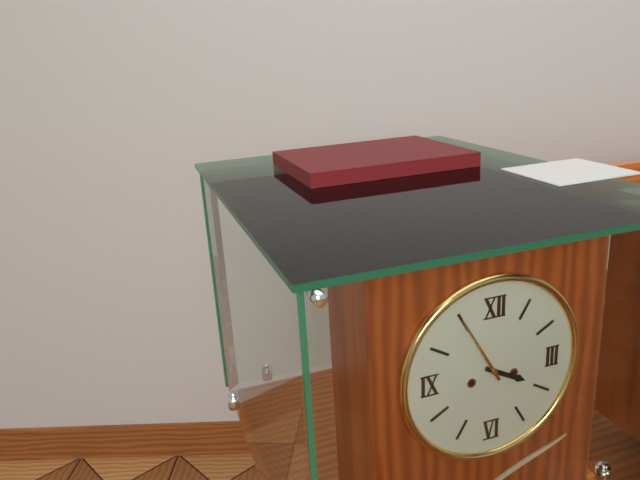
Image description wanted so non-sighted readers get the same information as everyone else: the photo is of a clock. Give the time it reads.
3:55
